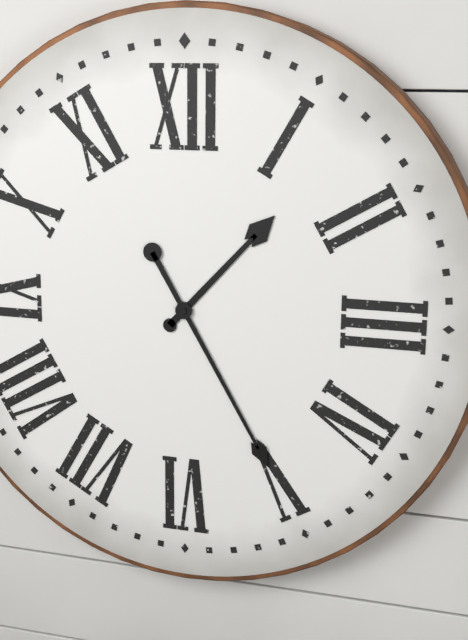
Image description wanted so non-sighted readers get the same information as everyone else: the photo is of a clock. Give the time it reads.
1:25
